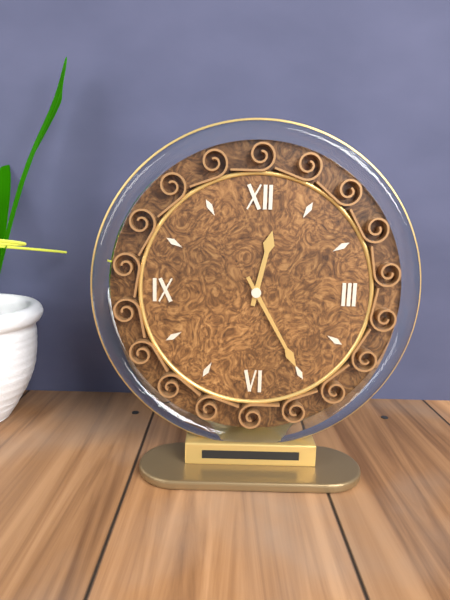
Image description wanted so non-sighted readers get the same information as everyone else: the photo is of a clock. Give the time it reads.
12:25
